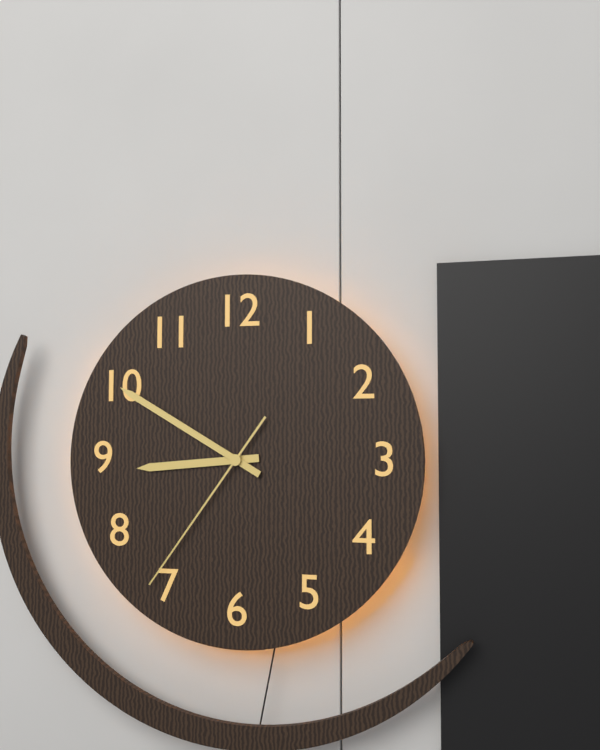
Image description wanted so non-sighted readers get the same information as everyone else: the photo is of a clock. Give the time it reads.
8:50:36
